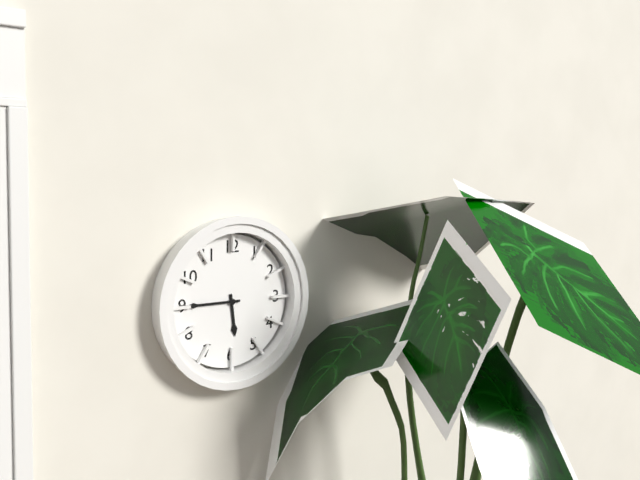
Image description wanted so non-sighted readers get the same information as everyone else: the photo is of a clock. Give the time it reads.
5:45
